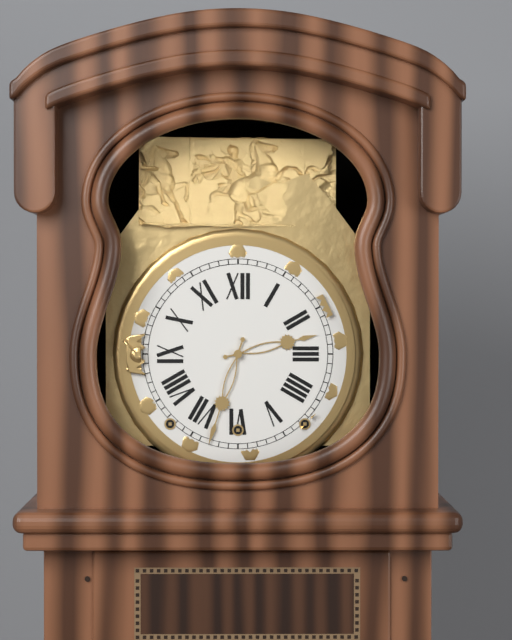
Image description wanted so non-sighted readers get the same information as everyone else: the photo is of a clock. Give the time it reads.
2:33
